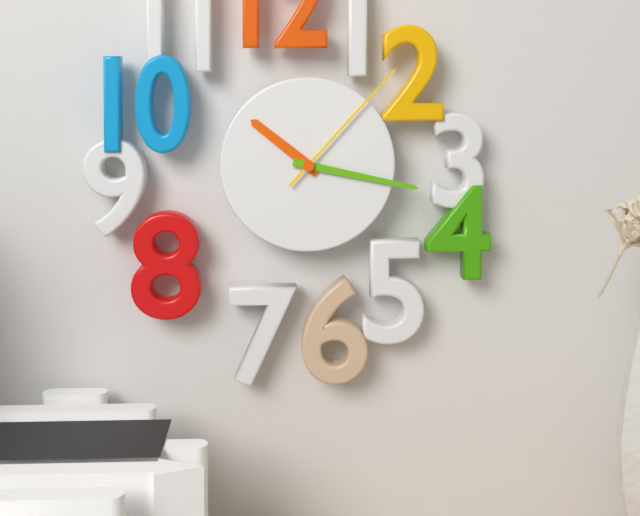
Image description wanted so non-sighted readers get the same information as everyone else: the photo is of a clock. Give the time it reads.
10:17:07
